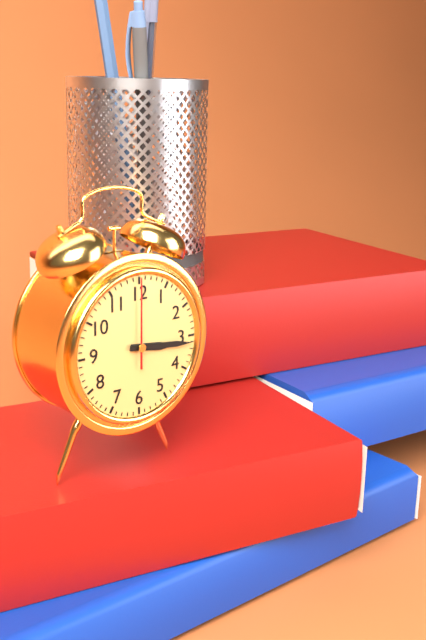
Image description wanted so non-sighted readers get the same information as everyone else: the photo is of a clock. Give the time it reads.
3:16:00
